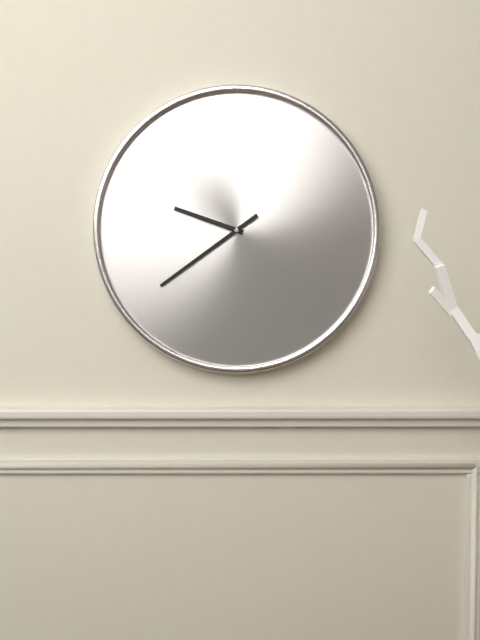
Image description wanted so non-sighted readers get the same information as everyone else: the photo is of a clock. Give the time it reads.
9:39
